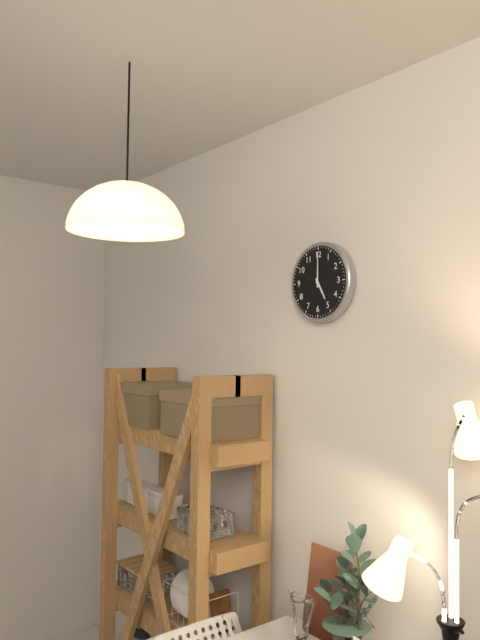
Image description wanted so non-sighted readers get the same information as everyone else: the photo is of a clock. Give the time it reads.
5:00
